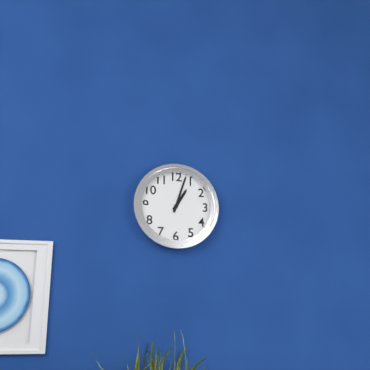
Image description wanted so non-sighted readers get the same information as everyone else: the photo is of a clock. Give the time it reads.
1:03
